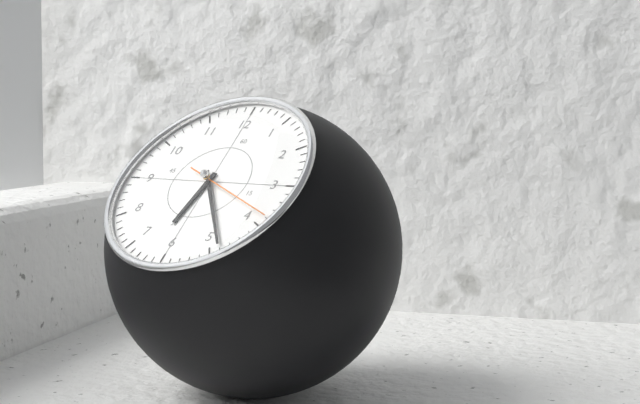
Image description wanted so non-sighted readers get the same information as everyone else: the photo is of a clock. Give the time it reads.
6:24
